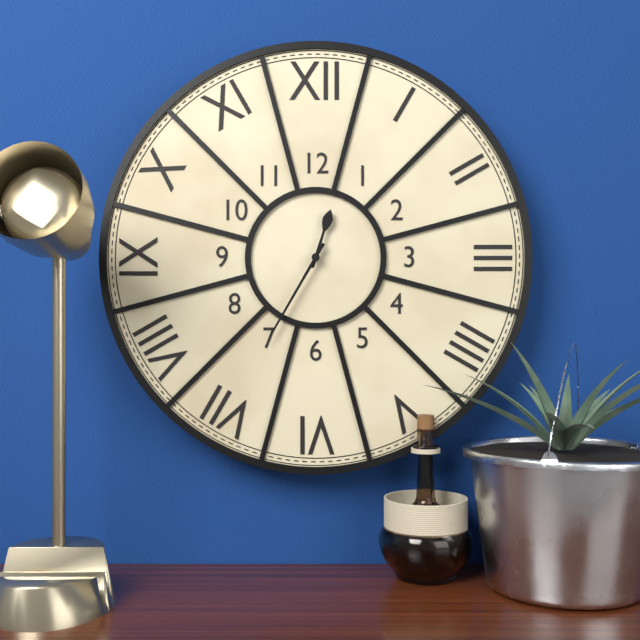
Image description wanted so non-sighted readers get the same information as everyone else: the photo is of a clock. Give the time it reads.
12:35
